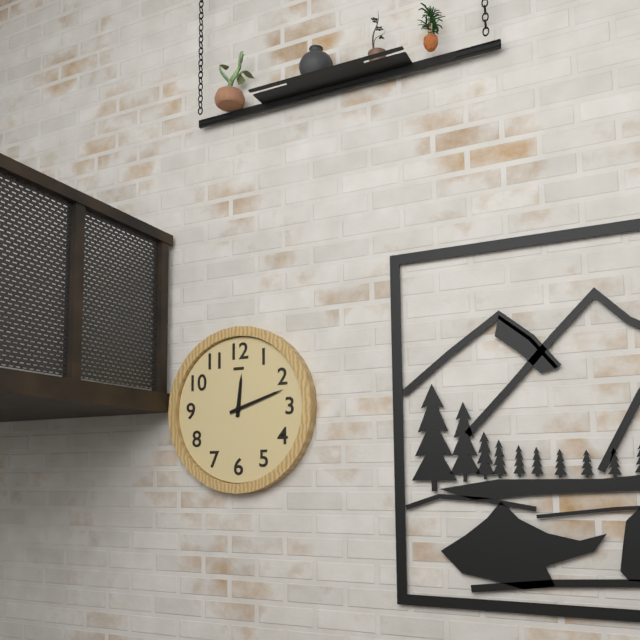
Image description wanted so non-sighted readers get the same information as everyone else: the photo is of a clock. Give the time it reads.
12:12
